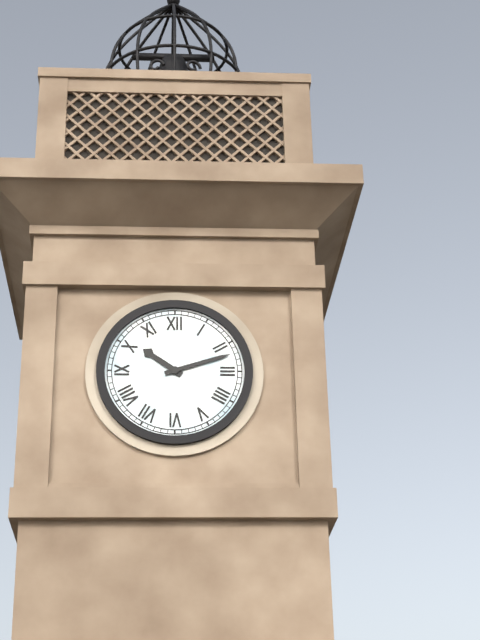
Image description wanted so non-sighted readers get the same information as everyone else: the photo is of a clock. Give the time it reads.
10:12
